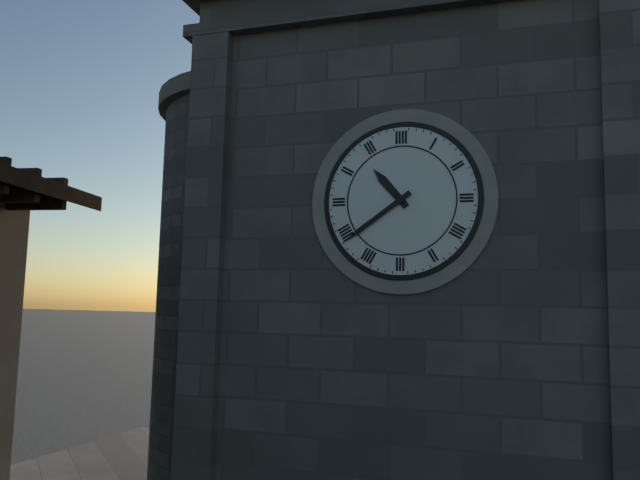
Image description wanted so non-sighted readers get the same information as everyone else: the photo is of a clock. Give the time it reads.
10:39
